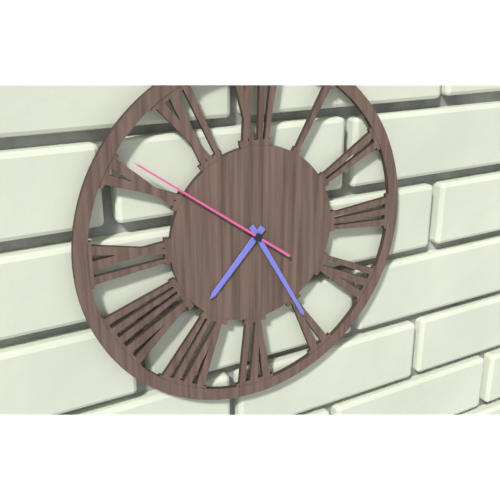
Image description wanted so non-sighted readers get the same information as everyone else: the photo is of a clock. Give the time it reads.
7:25:51
